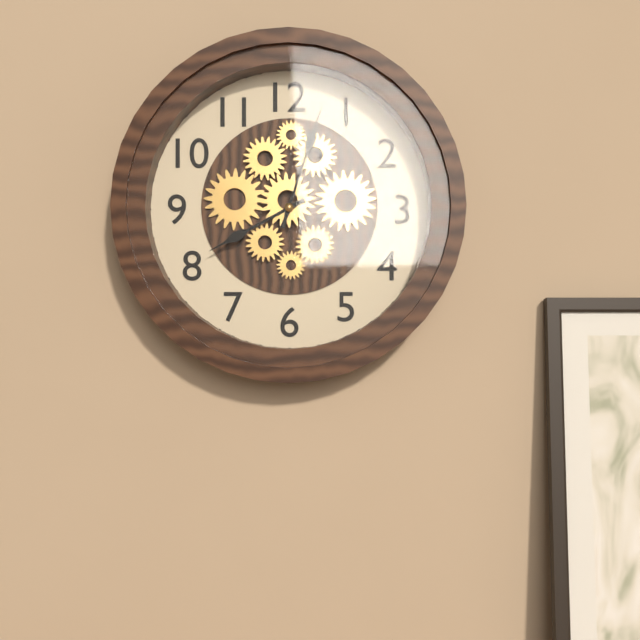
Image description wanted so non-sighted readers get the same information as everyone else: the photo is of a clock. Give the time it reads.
8:03
